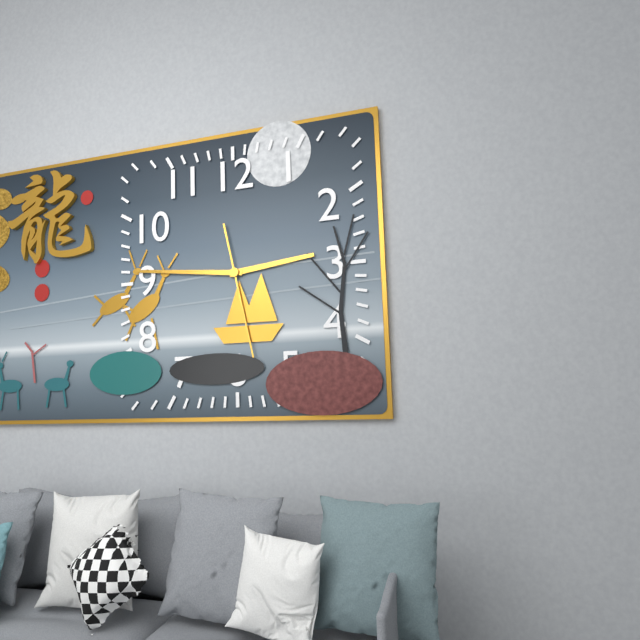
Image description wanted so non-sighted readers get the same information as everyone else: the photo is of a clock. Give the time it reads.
2:46:28
